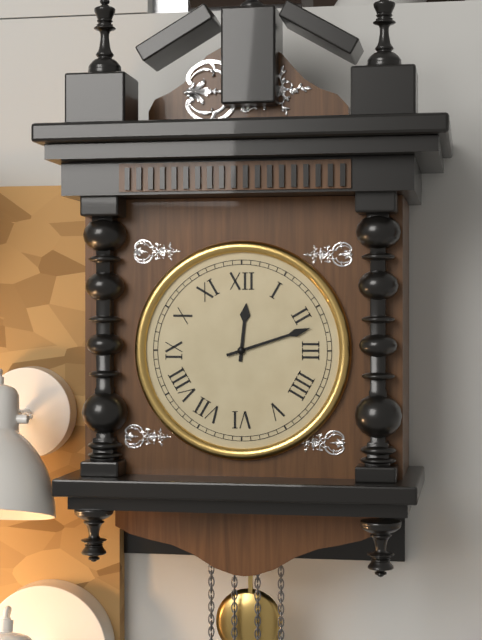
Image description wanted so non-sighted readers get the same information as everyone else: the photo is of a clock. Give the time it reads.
12:12
